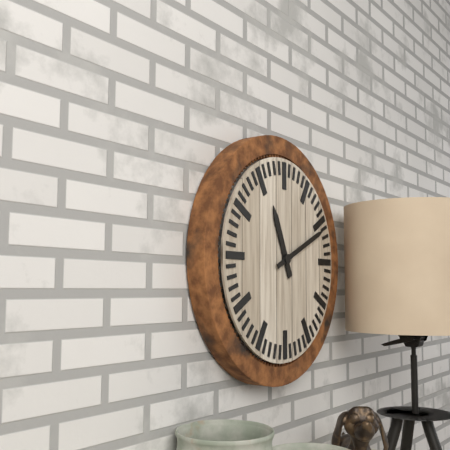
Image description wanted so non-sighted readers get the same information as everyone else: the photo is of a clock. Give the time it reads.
11:11
